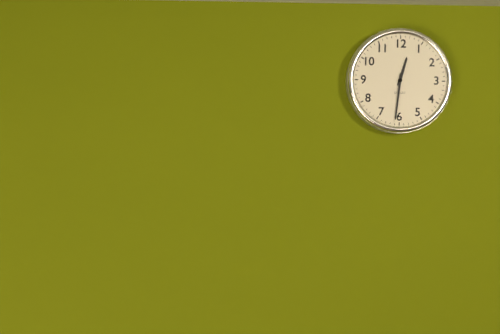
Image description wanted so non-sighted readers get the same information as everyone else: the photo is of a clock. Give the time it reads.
12:31
